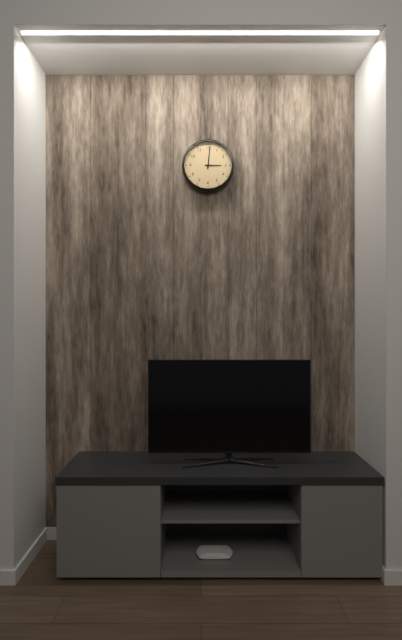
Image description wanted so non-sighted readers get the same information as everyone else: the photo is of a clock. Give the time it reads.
3:01
